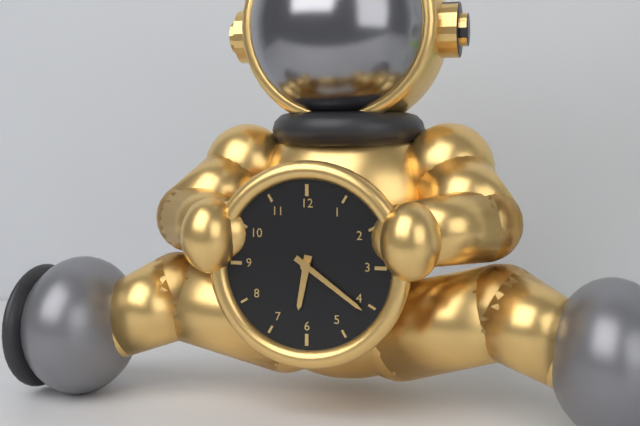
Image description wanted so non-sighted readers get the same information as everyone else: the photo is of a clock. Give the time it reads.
6:21
